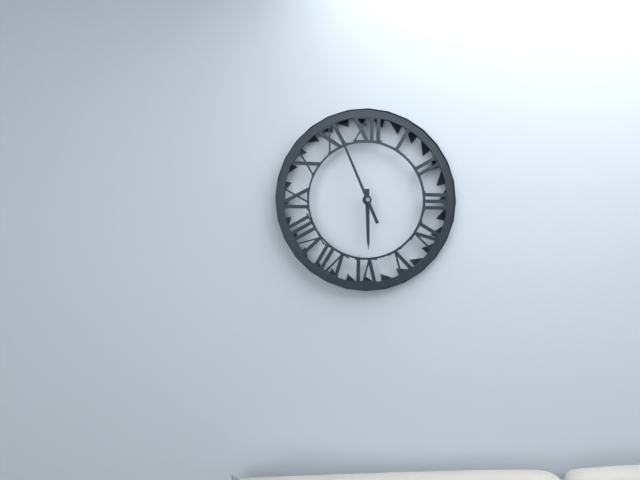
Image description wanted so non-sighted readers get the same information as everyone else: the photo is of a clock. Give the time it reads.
5:56
